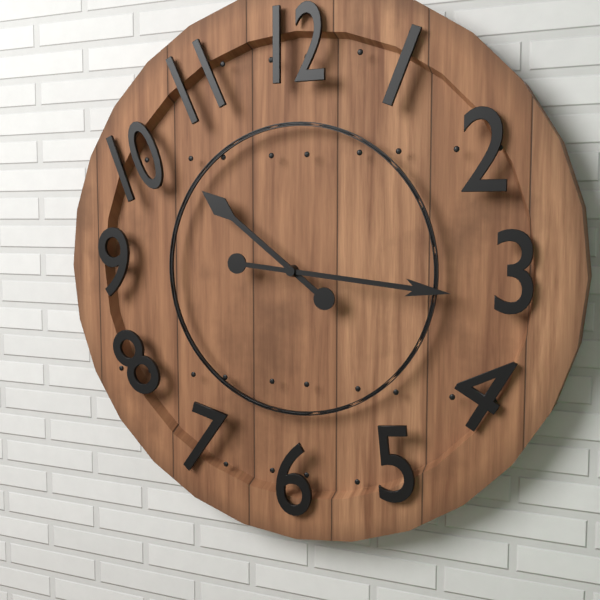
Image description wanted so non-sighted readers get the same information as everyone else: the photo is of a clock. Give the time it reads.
10:16
